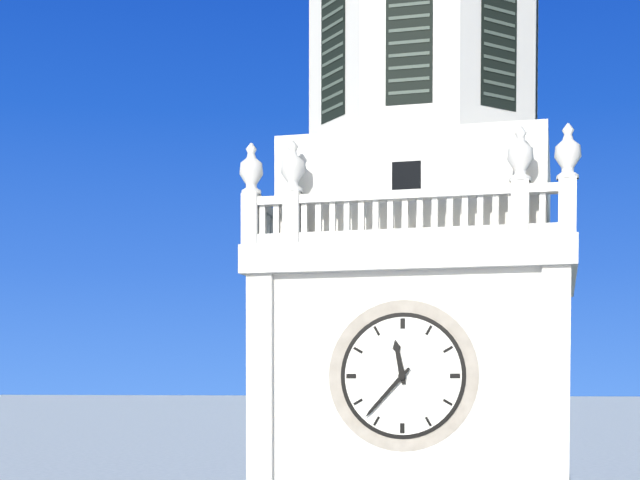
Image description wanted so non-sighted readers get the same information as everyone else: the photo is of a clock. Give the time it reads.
11:37
